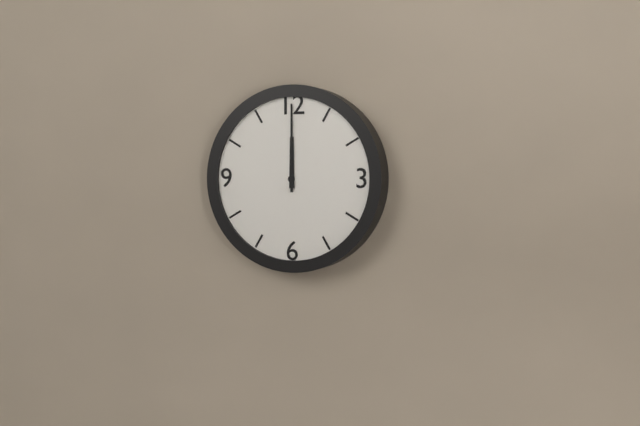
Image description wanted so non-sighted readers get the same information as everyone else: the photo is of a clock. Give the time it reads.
12:00
